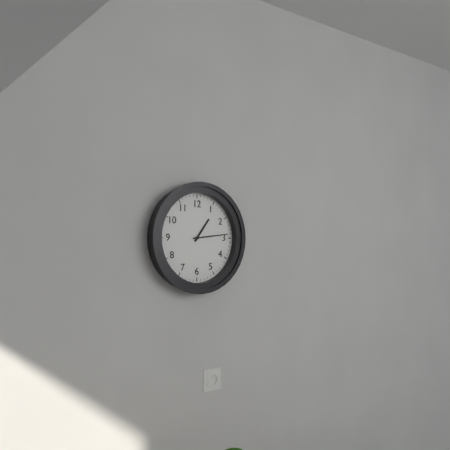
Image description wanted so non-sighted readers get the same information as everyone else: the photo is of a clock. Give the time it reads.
1:14
